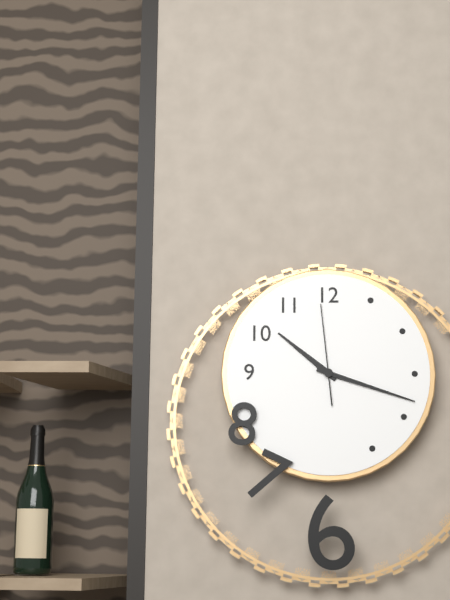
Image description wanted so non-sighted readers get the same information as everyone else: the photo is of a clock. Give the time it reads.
10:18:59
